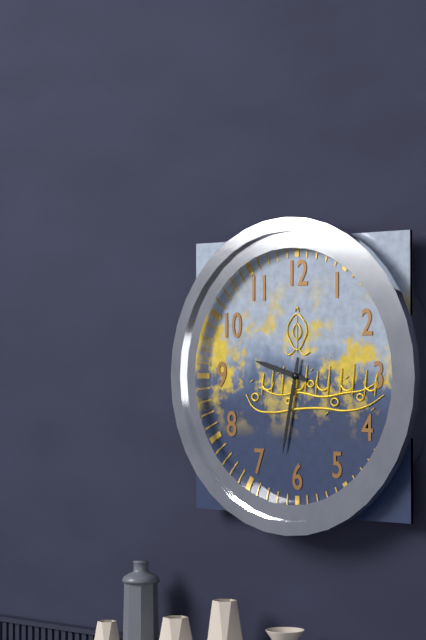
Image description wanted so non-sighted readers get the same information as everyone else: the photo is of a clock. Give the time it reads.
9:32
